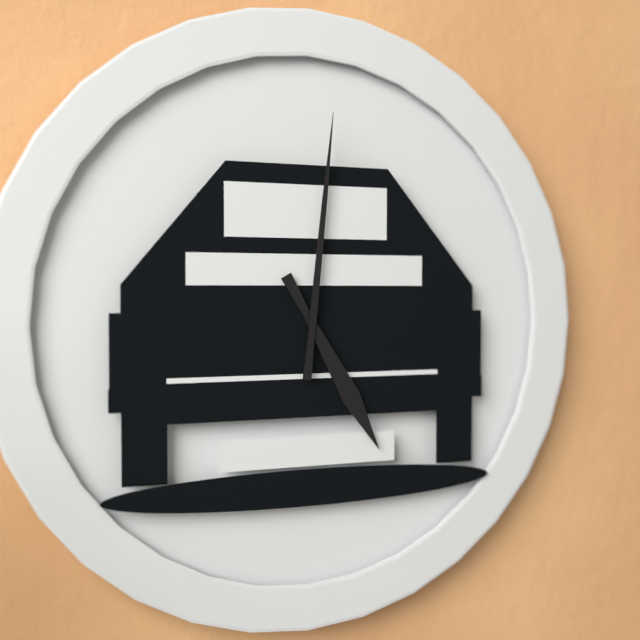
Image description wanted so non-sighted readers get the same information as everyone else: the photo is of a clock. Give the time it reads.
5:01
